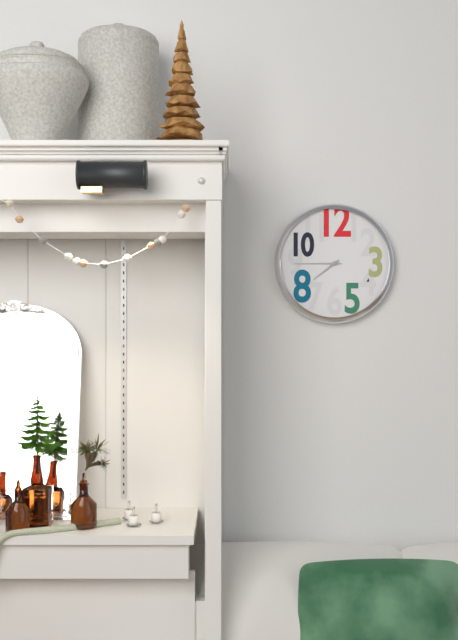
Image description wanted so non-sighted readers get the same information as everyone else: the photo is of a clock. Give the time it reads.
7:45
